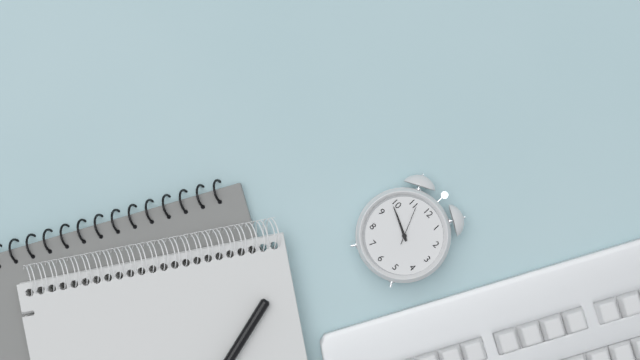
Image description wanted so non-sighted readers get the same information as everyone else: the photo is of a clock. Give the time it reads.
9:49
